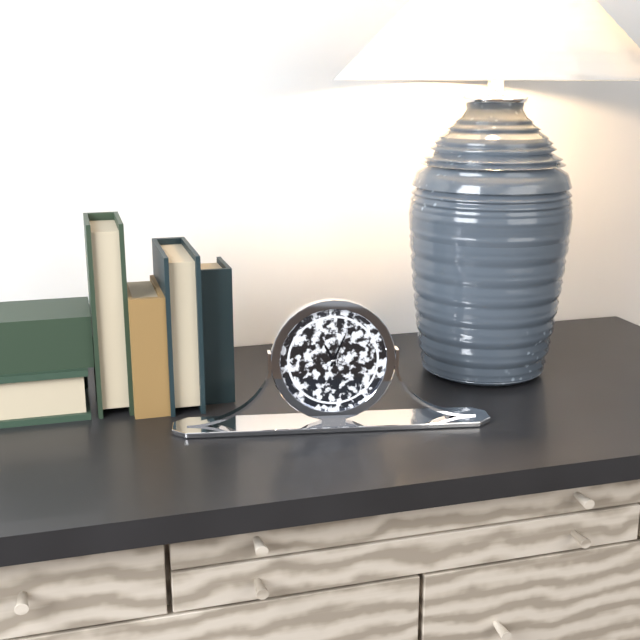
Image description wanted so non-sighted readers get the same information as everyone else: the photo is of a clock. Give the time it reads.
11:04
